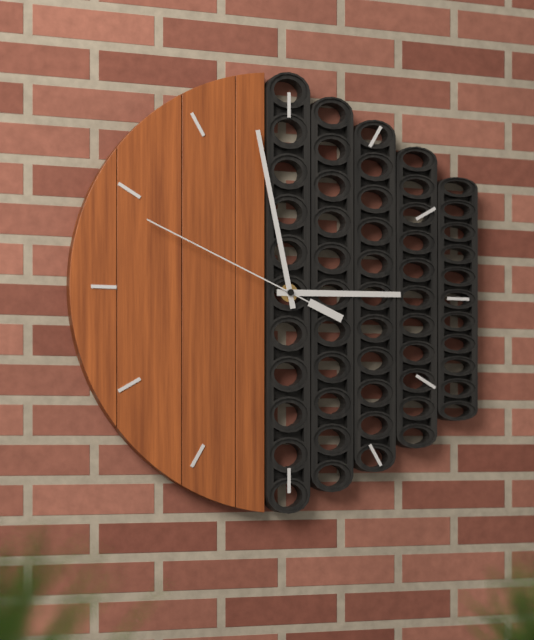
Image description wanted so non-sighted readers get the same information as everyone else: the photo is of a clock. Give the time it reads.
2:58:49
